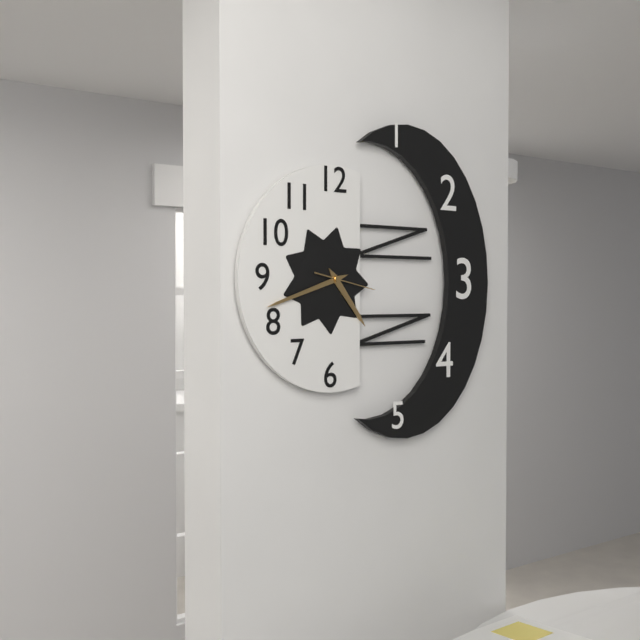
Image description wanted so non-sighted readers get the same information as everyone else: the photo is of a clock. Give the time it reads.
4:42:17
